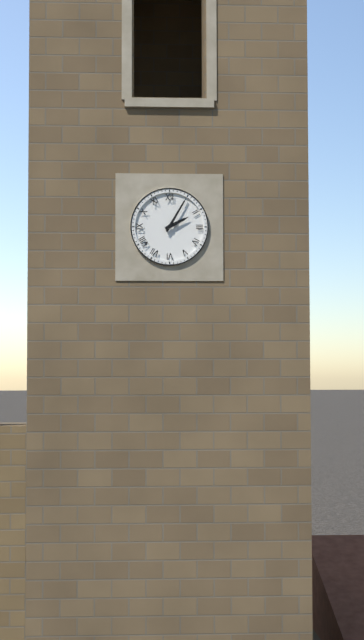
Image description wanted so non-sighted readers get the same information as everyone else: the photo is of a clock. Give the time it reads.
2:05
